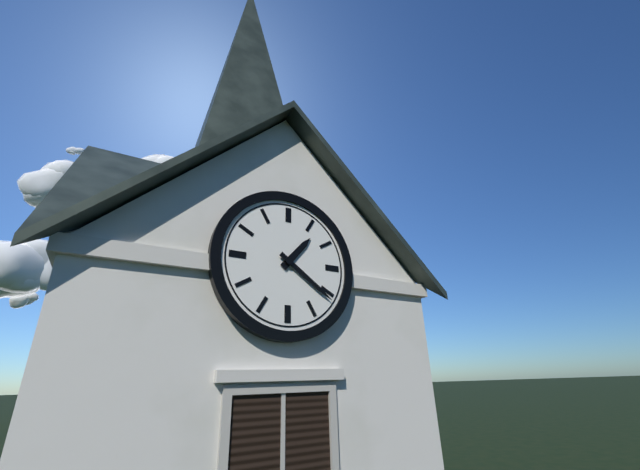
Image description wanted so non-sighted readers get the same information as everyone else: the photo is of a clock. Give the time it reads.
1:21
